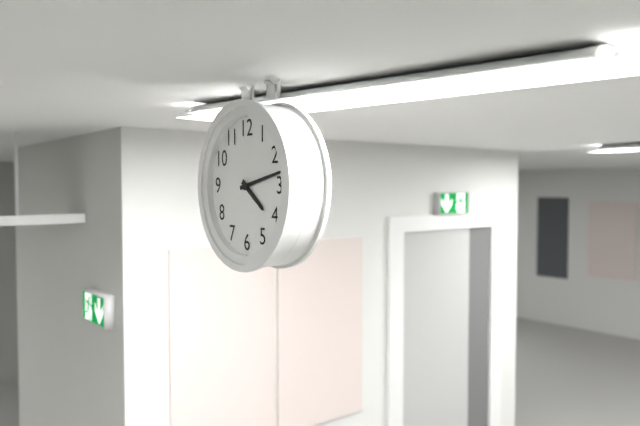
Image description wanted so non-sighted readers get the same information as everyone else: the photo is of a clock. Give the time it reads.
4:13
